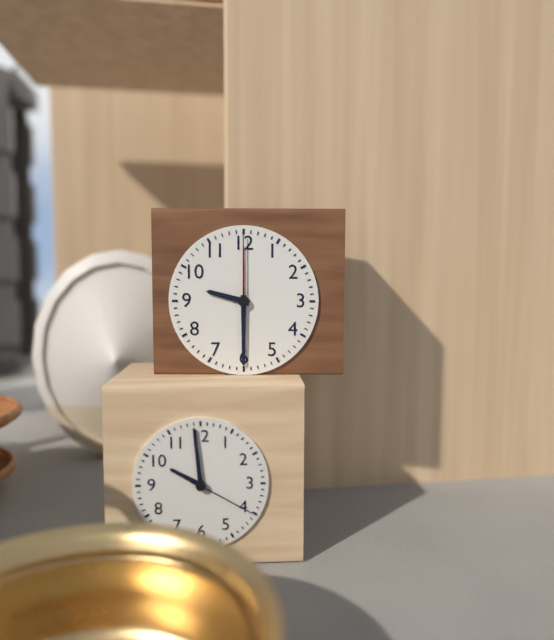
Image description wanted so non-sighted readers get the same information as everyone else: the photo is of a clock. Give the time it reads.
9:30:00
